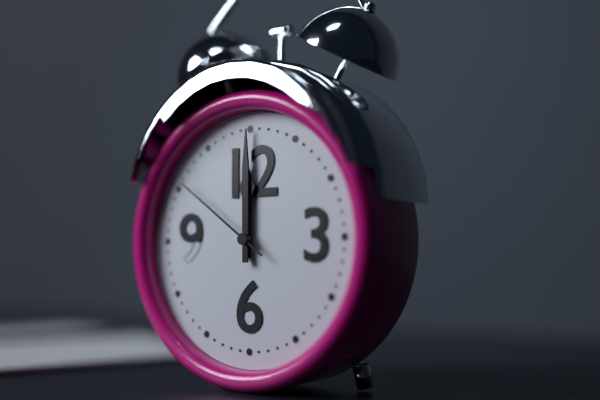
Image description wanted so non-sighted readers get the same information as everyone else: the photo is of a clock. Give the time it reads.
12:00:51
